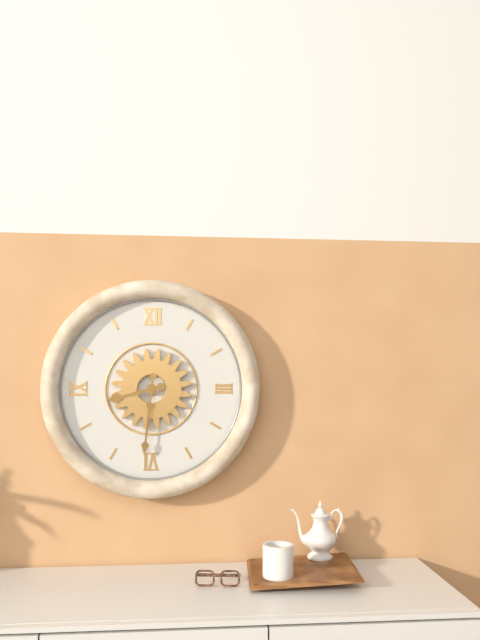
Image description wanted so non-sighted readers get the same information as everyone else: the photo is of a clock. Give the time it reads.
8:31
